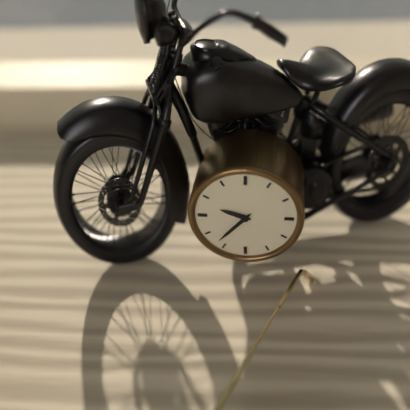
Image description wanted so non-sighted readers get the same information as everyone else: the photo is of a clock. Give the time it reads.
9:37
